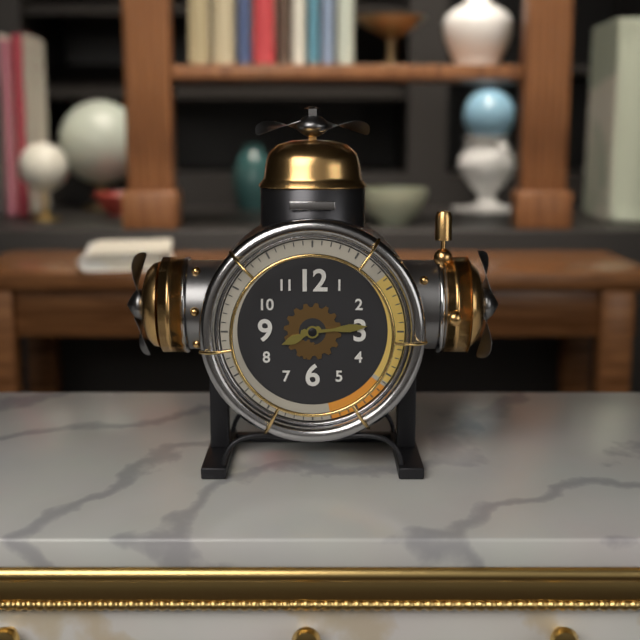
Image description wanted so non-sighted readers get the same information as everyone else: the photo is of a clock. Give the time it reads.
8:14
